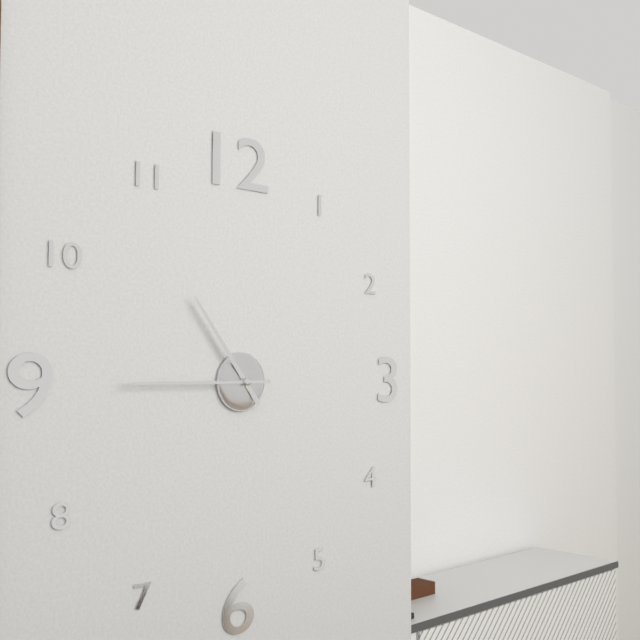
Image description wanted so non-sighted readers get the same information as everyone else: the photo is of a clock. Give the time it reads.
10:45
